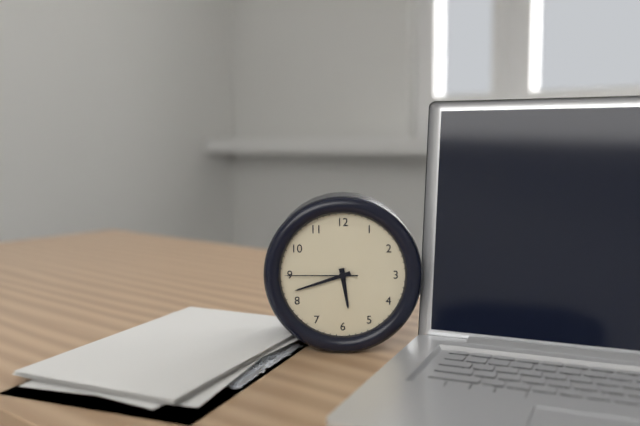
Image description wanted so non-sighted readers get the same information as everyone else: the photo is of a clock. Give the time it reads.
5:42:45
